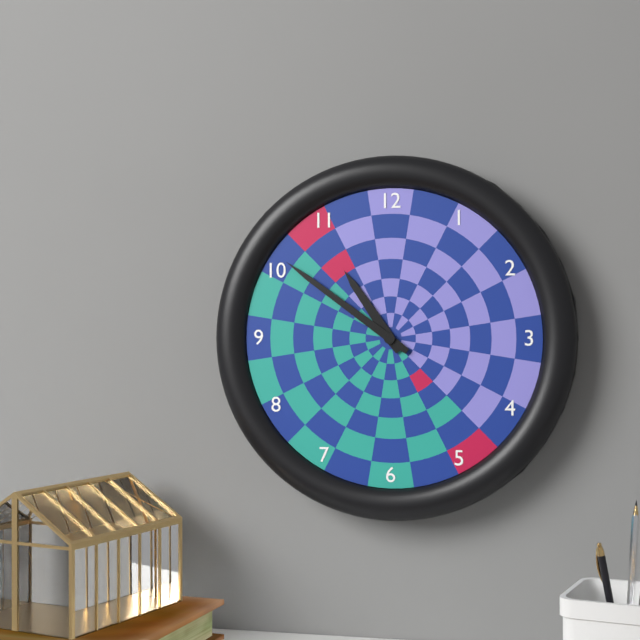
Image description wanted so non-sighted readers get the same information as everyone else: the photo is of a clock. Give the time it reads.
10:51
